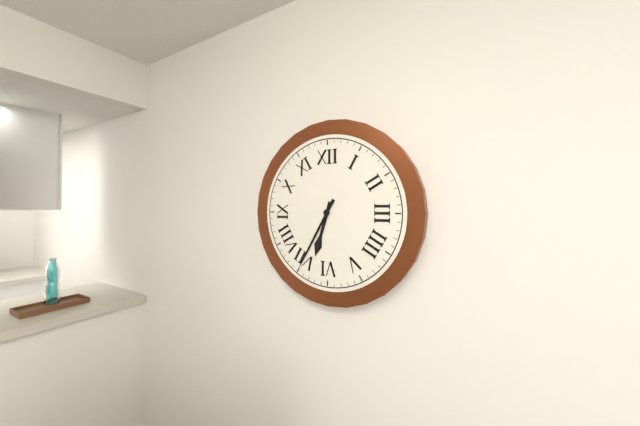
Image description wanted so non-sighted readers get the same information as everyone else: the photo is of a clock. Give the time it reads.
6:35
